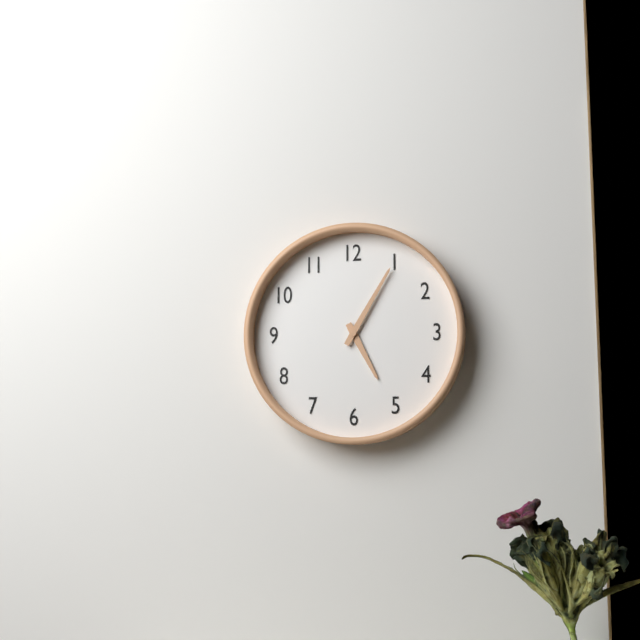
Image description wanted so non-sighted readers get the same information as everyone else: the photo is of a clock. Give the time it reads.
5:05
